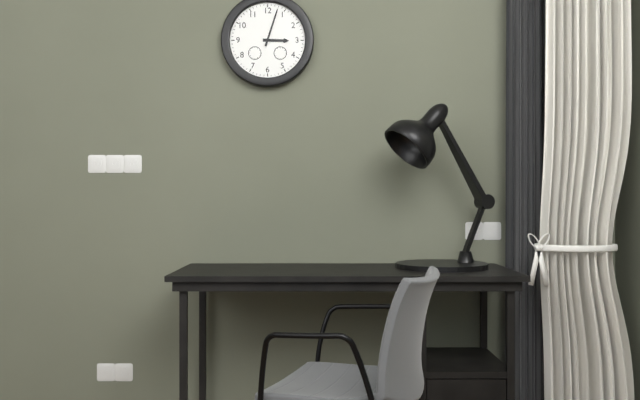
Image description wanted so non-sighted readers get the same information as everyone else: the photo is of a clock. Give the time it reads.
3:03
